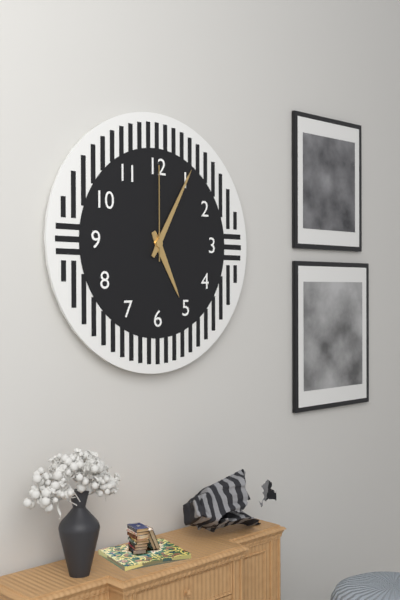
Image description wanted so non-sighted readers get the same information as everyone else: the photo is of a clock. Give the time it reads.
5:05:00
